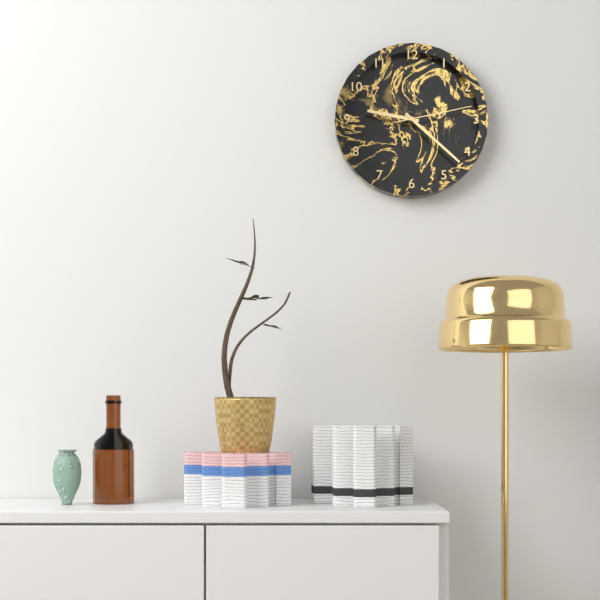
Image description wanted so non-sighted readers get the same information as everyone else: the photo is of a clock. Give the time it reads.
9:22:13
